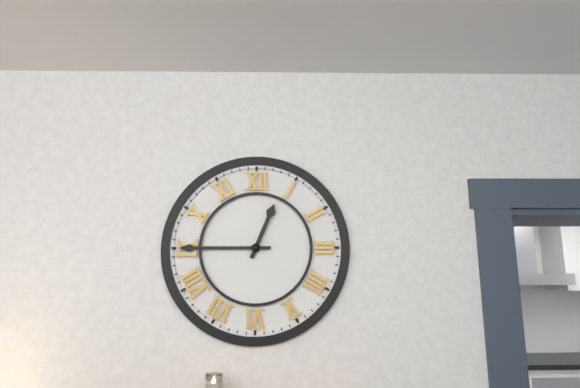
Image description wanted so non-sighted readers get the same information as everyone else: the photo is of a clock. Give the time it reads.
12:45
